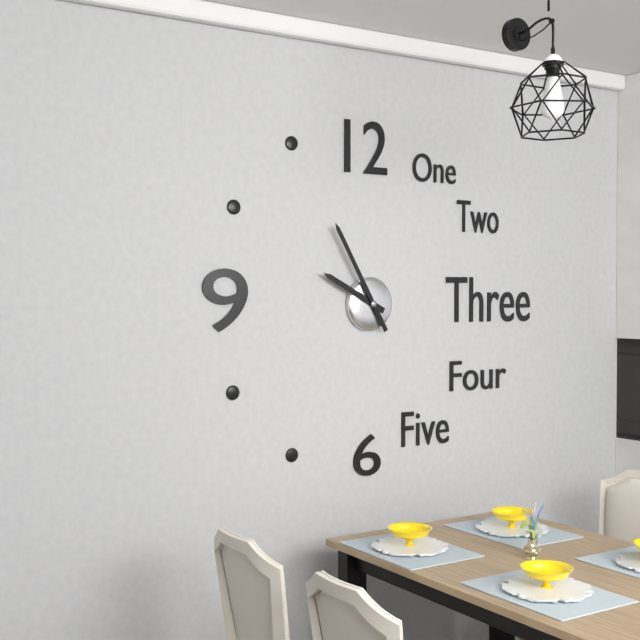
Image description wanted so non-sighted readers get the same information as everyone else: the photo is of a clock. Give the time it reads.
9:55
